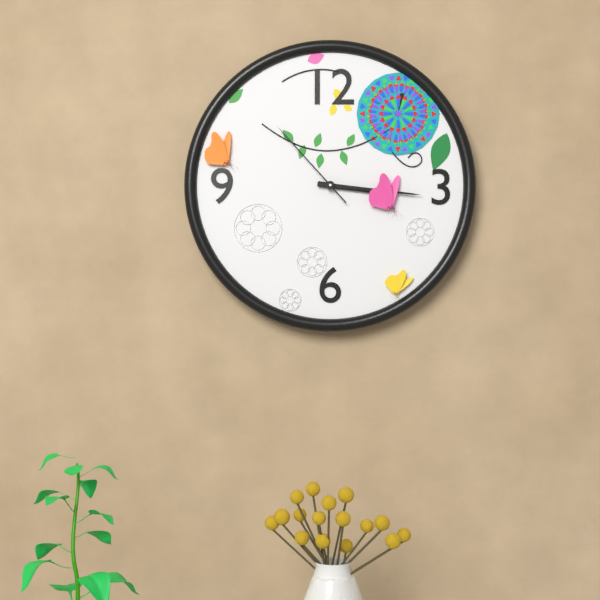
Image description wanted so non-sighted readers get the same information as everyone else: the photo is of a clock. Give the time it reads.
3:16:53
